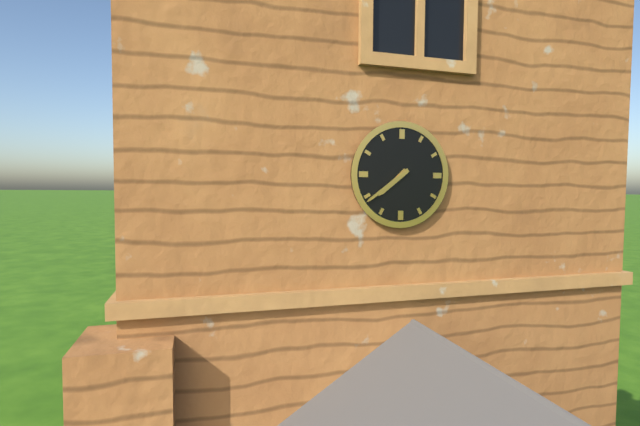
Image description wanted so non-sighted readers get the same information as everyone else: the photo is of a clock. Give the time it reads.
7:39
